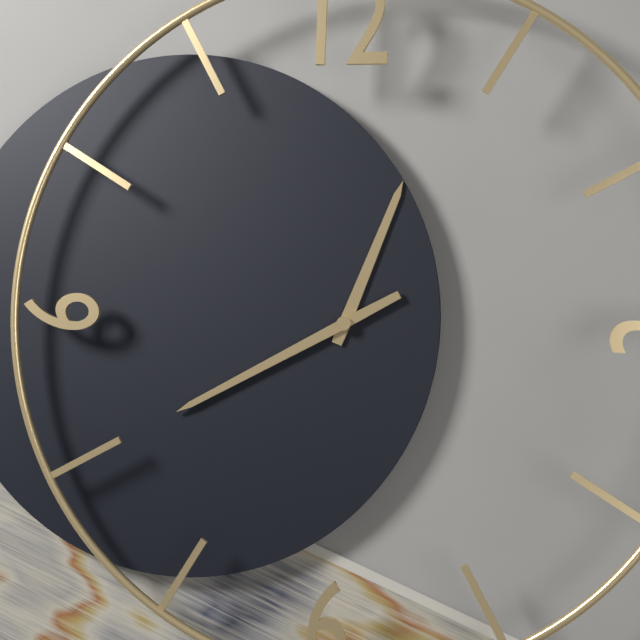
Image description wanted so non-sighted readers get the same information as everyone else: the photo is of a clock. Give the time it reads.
12:40
